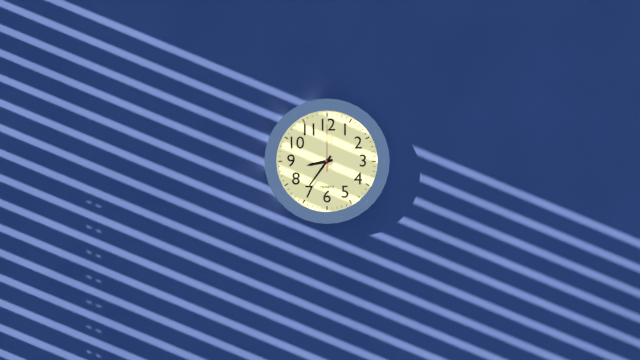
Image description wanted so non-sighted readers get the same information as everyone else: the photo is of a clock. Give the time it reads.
8:36
